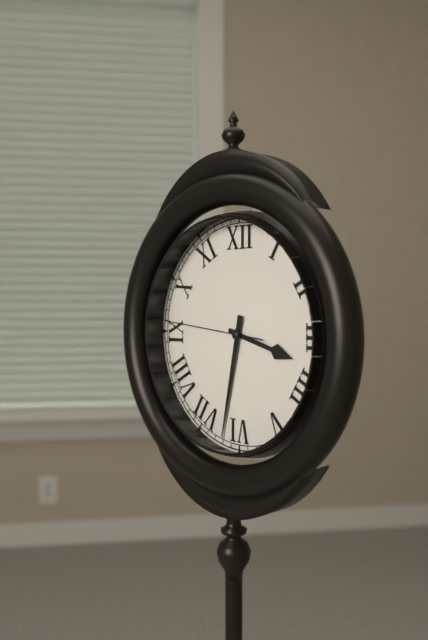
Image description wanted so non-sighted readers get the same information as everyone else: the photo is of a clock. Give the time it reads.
3:32:46
